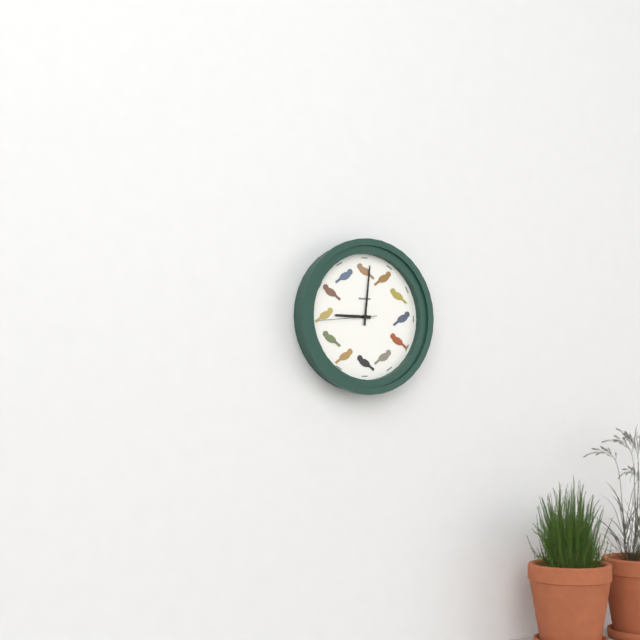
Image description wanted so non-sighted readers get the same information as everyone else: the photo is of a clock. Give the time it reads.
9:01:44
